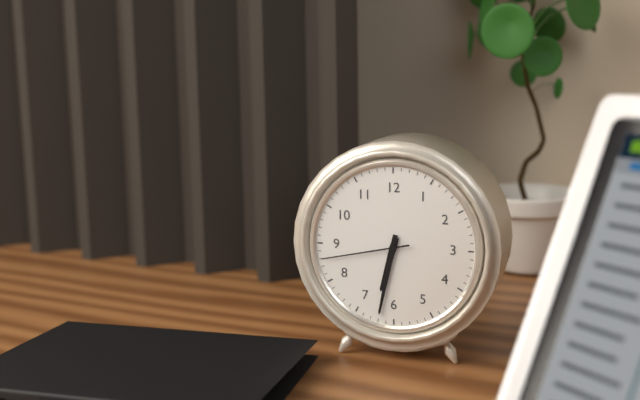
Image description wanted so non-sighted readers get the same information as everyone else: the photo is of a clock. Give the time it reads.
6:32:43
